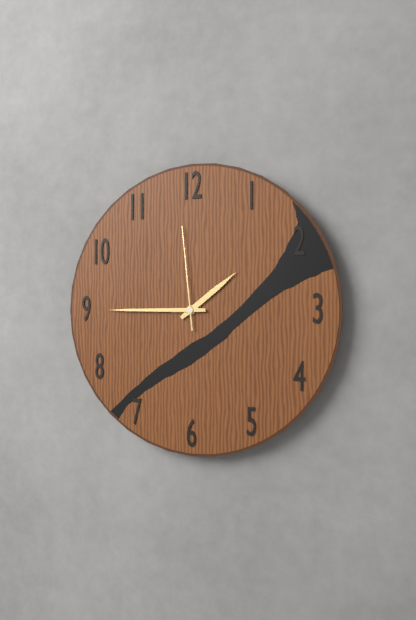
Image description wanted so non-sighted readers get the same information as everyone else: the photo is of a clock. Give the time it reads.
1:45:59
